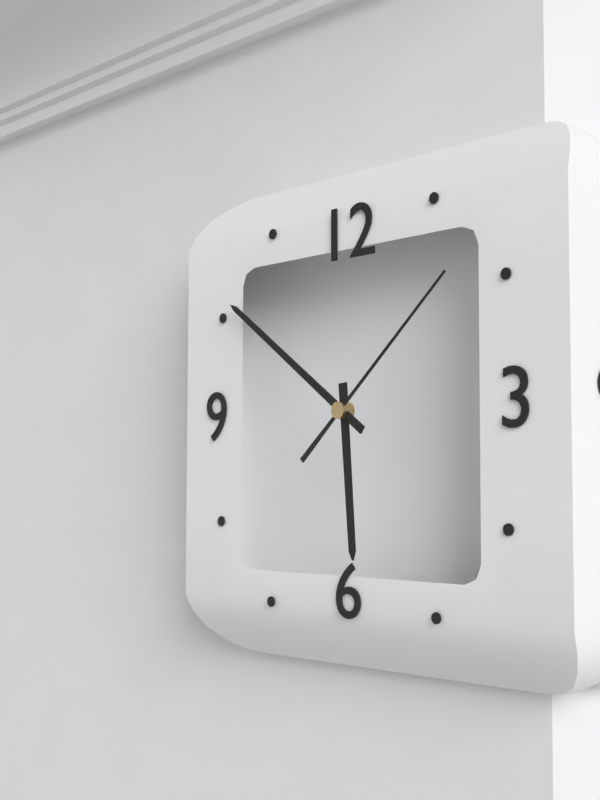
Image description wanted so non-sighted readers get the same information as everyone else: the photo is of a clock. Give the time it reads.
5:51:08
